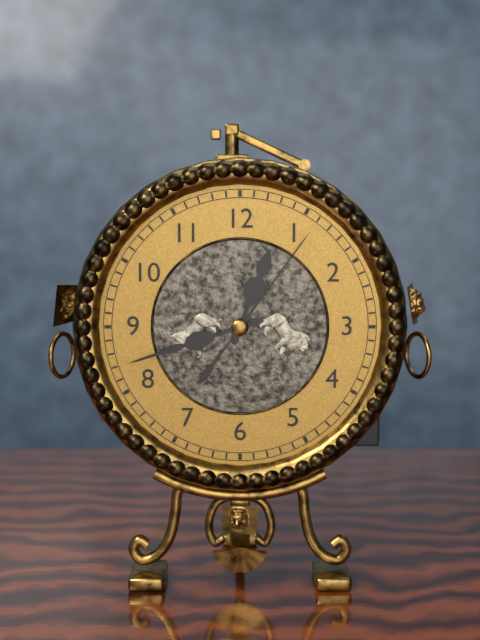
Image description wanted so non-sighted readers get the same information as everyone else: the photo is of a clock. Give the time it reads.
12:42:06
